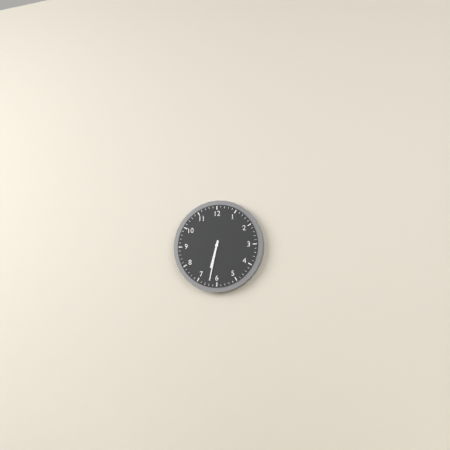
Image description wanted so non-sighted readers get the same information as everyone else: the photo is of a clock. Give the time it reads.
6:32
